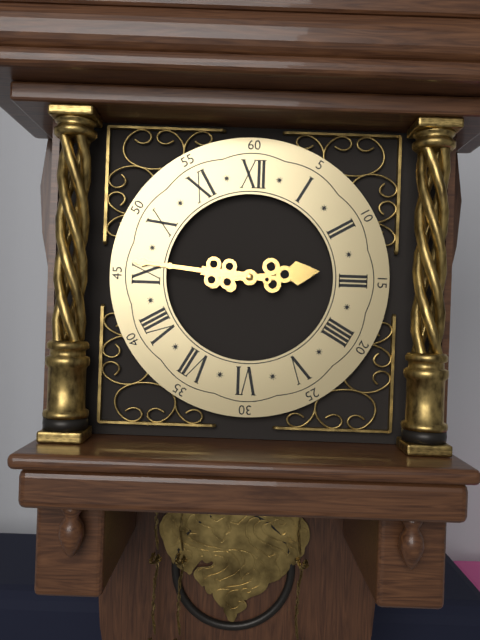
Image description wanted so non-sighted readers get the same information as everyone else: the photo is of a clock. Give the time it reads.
2:46
